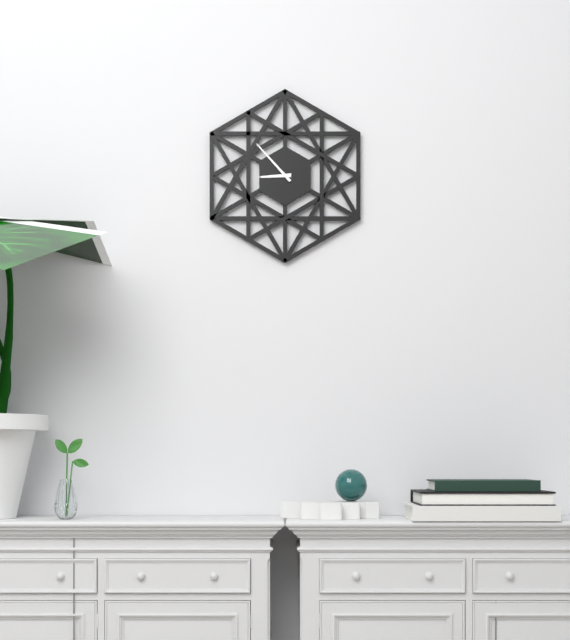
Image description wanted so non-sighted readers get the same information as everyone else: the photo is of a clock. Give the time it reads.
8:53
